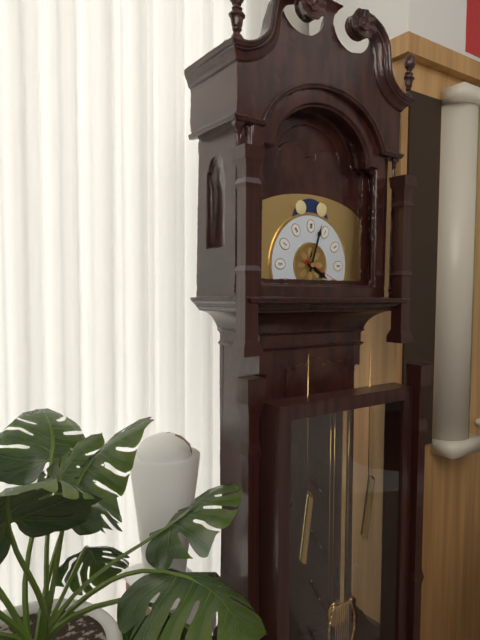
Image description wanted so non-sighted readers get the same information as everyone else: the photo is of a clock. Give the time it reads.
4:03
